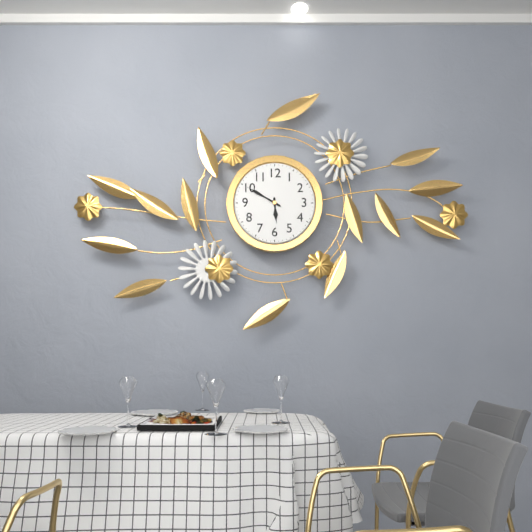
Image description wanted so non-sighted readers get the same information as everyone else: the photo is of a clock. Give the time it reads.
5:50
